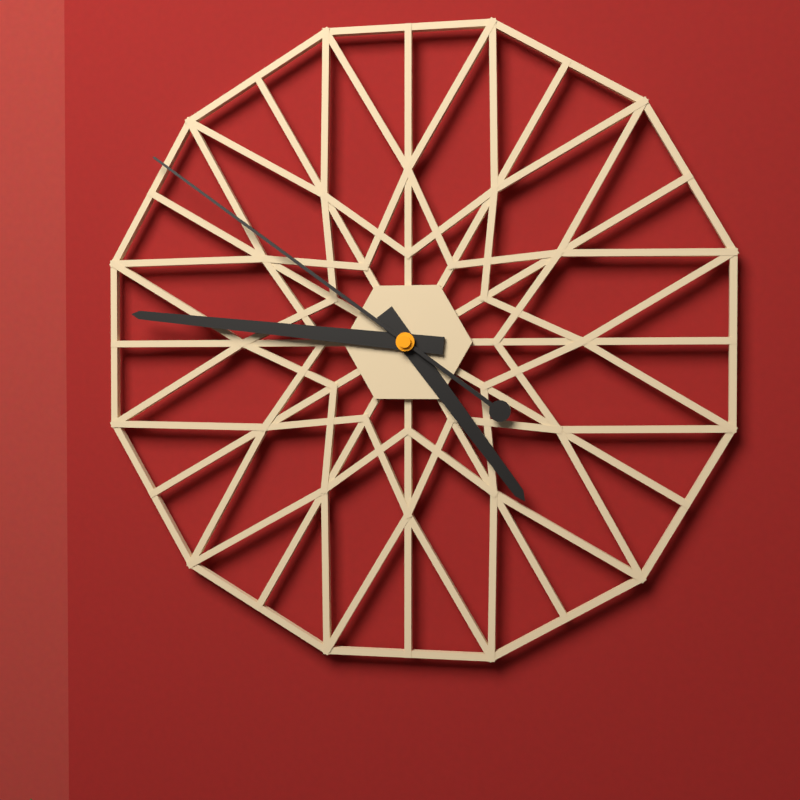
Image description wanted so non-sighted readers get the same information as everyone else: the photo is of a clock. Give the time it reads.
4:46:51
